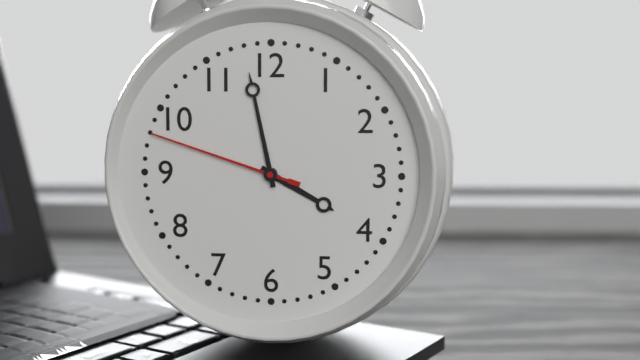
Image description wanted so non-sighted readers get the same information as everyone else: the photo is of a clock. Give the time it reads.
3:58:48
